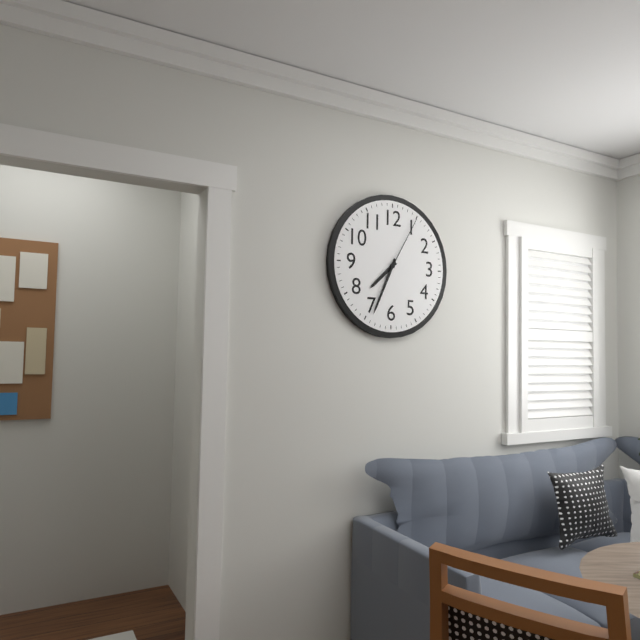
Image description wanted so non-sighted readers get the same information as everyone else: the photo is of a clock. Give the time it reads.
7:34:05
